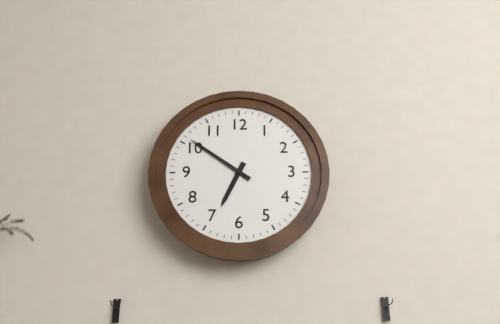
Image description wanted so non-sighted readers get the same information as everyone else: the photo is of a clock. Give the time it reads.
6:51
